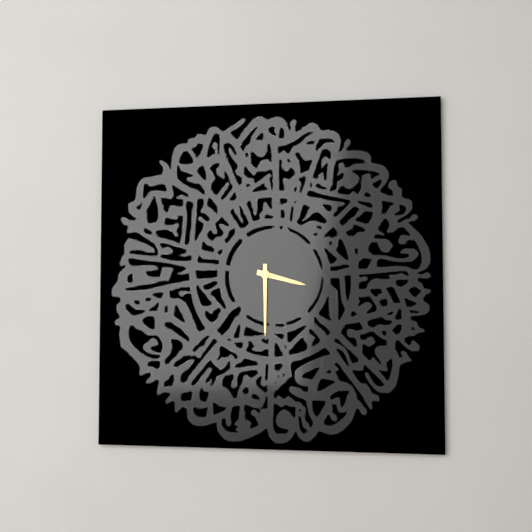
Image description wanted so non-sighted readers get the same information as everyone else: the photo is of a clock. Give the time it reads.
3:30
